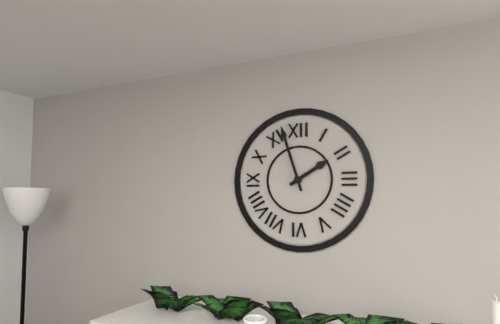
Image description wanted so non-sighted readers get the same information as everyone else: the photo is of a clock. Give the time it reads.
1:57
